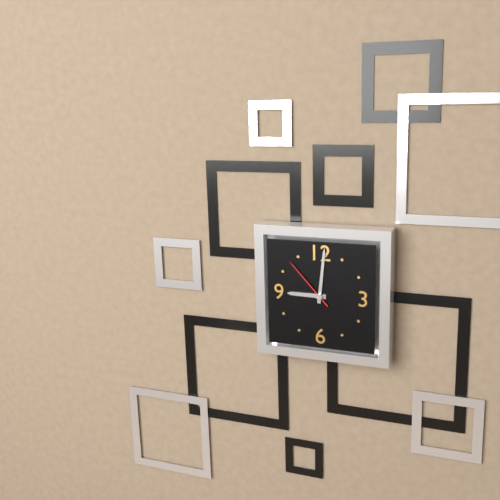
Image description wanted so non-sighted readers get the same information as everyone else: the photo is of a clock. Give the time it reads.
9:01:53
